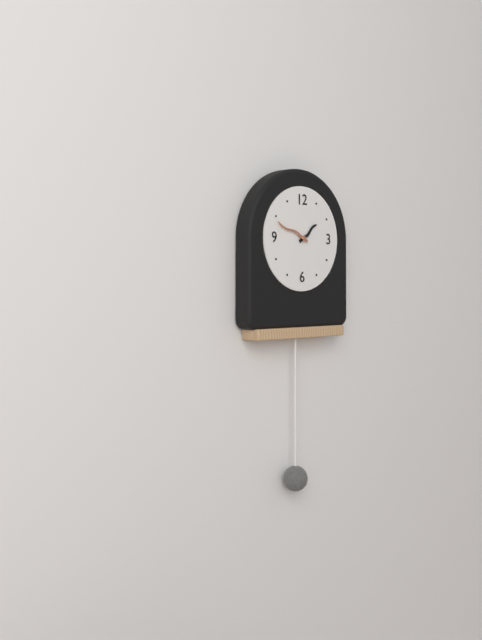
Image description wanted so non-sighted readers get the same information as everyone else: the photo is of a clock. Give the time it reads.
1:49
